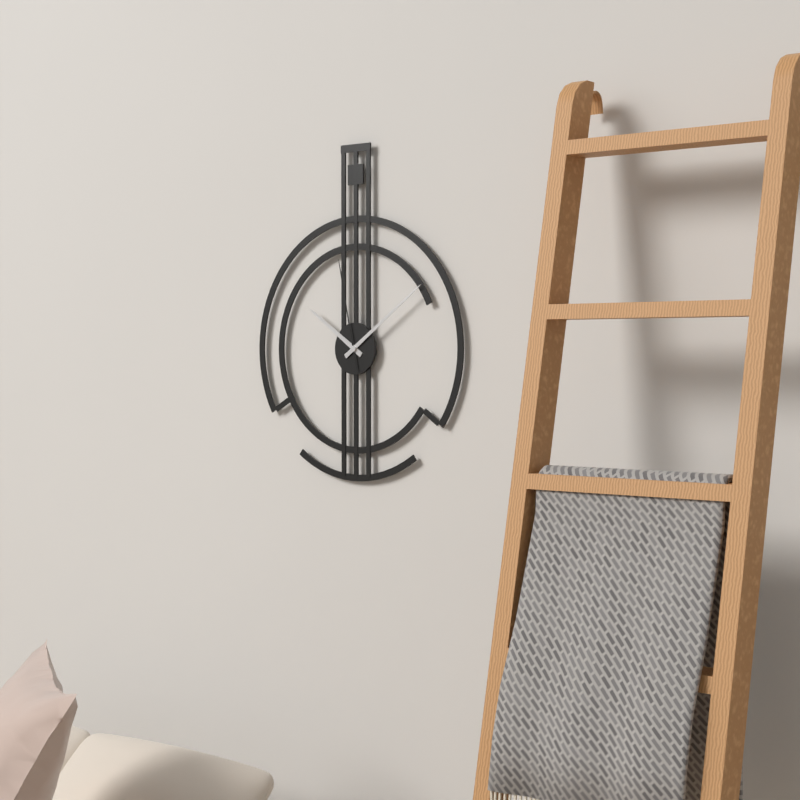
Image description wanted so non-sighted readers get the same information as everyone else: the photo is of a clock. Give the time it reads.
10:09:58
